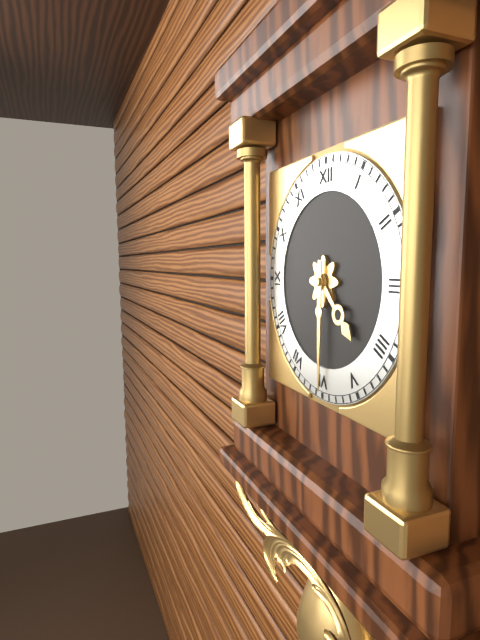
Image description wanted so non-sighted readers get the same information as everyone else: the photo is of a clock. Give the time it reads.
4:30
